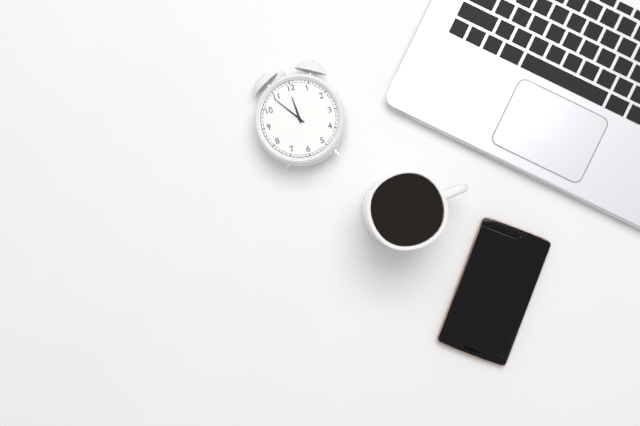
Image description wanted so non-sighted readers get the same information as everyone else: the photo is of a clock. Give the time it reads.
11:54
